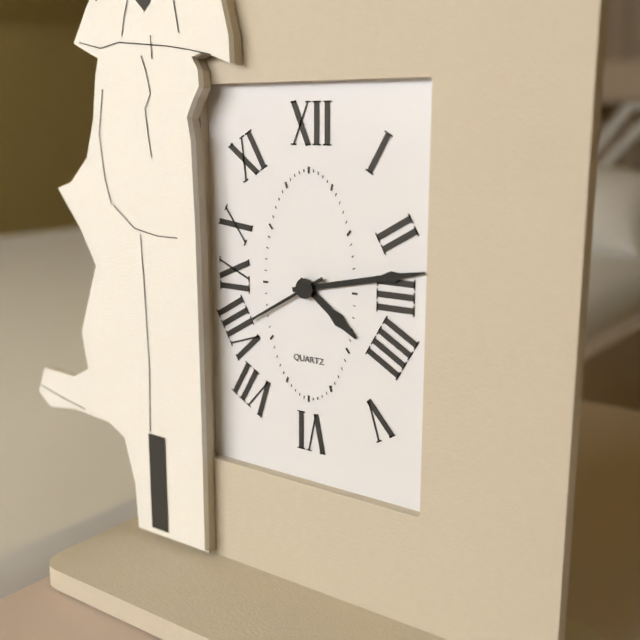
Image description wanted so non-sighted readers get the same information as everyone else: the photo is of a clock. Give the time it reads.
4:13:40
